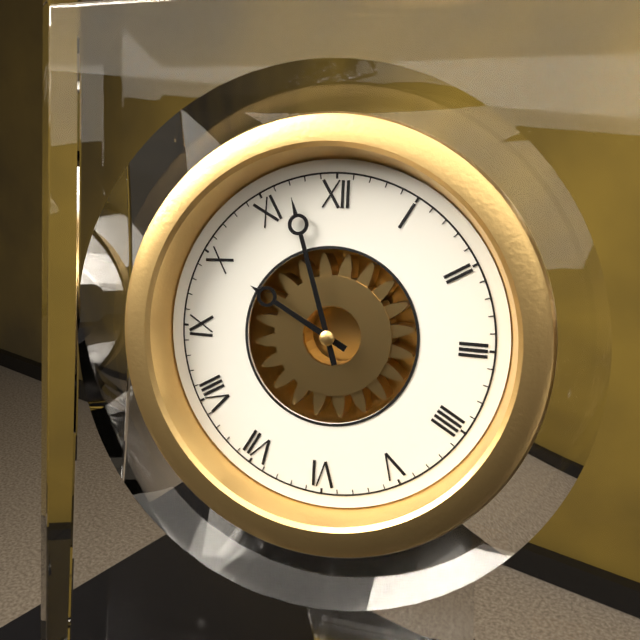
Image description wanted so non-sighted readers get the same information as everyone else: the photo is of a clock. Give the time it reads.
9:57
